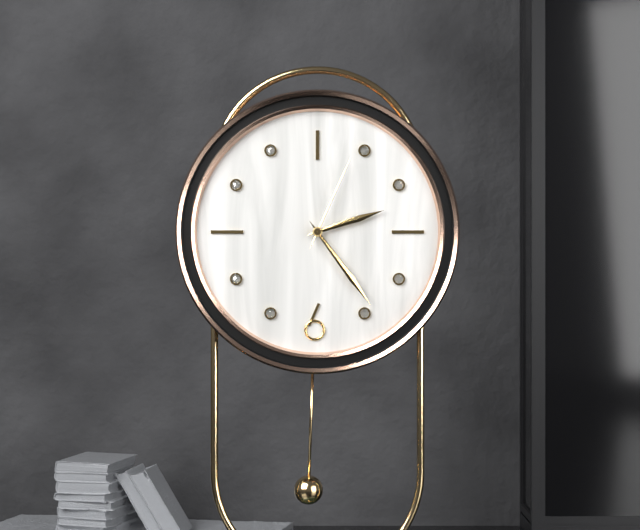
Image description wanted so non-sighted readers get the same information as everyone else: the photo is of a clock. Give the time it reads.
2:24:04
